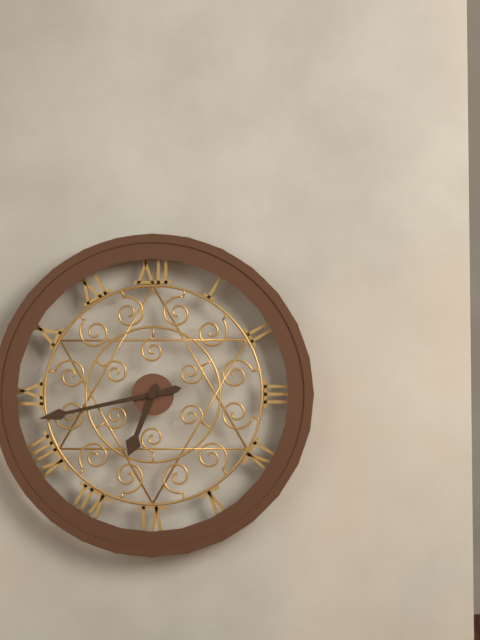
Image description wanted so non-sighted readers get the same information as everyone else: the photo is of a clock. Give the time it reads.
6:43
